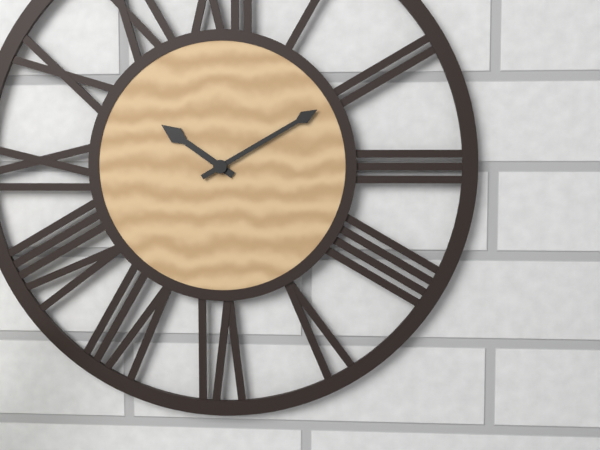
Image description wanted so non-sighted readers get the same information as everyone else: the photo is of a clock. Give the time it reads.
10:10
